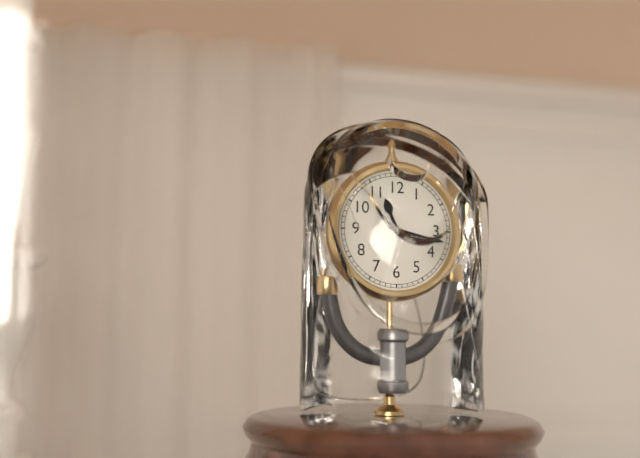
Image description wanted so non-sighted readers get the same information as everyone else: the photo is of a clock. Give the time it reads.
11:17
